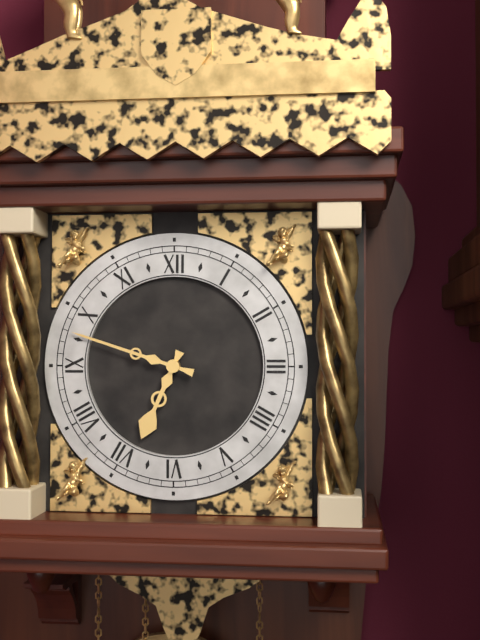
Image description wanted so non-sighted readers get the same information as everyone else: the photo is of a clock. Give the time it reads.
6:48
